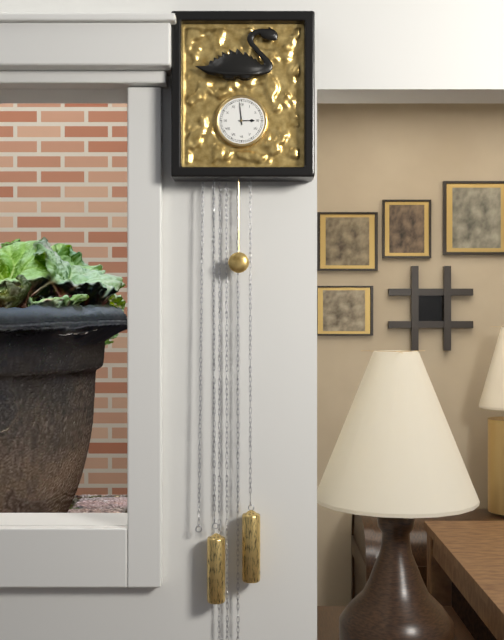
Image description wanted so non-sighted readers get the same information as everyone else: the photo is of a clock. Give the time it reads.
2:59
